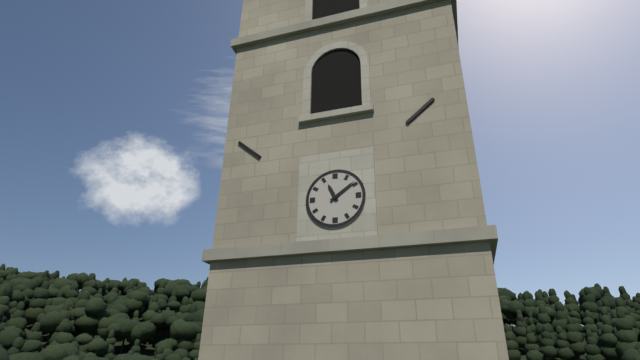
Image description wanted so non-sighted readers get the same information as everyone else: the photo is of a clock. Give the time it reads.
11:09
